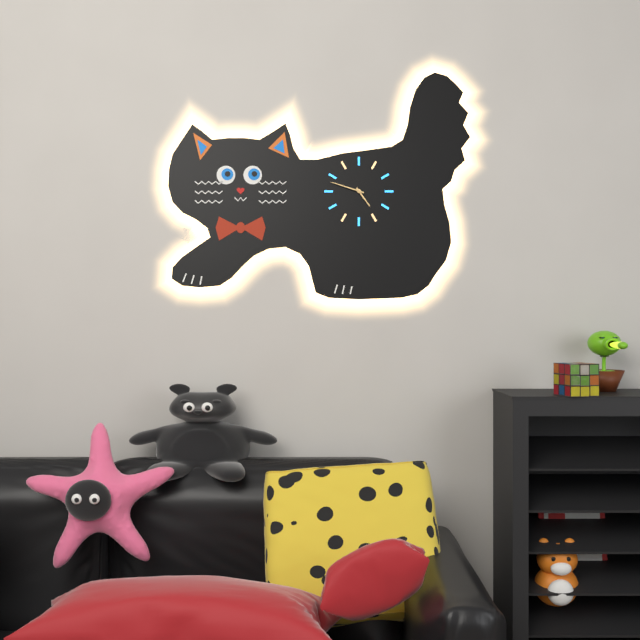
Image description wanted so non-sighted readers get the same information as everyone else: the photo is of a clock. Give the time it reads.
4:48
